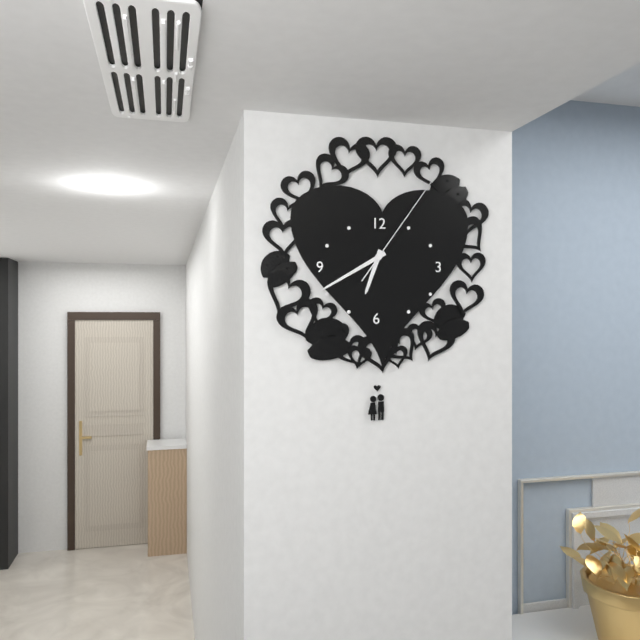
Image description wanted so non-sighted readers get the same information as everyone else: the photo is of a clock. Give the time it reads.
6:40:06
